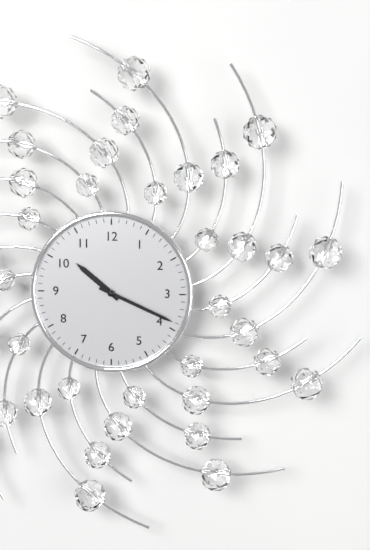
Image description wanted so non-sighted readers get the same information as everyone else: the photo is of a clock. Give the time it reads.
10:19
